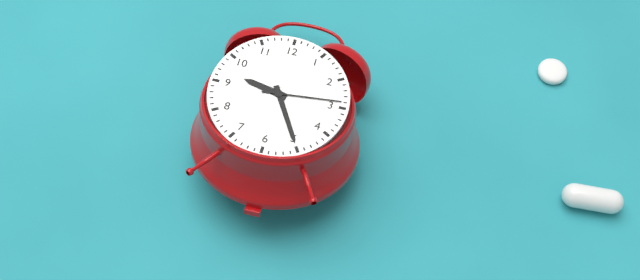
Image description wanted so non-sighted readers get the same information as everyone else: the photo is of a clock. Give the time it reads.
9:25:14
